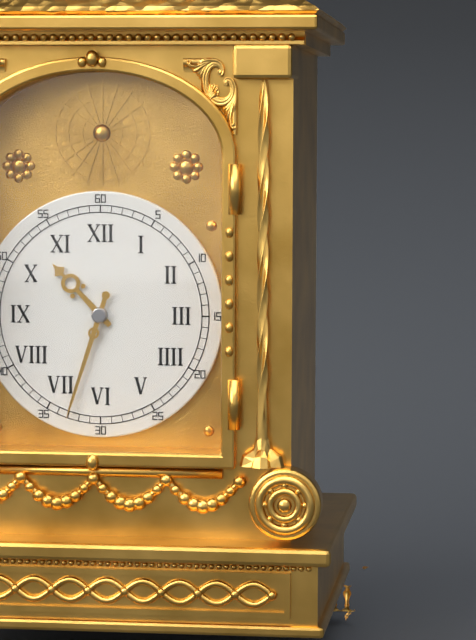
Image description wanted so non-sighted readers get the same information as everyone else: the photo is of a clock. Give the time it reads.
10:33
